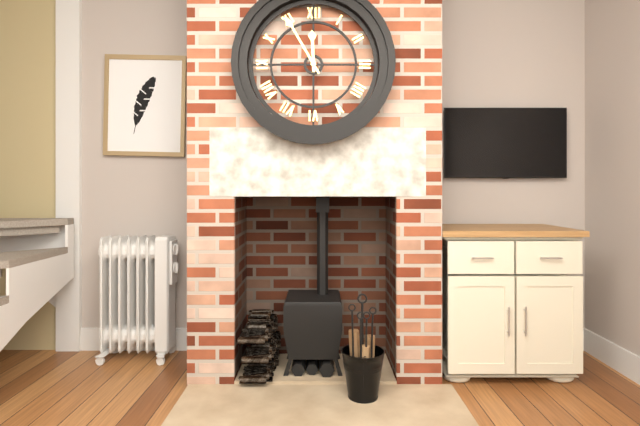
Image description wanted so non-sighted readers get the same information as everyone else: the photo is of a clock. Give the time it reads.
11:55
